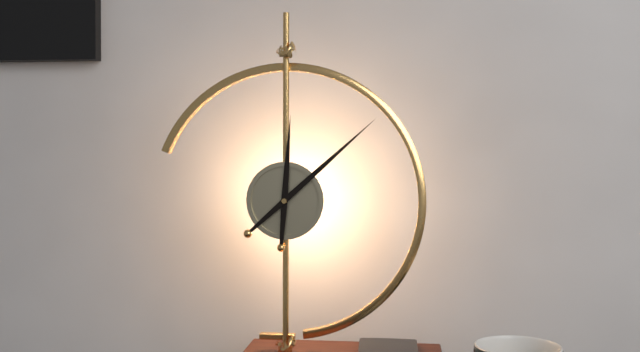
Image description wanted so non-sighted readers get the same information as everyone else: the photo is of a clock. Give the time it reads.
12:08
